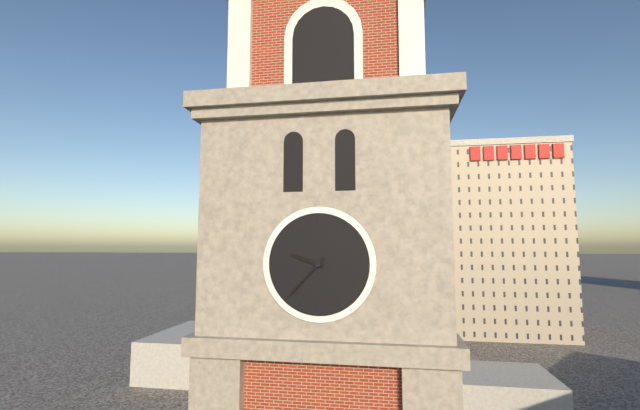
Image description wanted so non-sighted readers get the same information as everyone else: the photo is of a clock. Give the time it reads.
9:37
